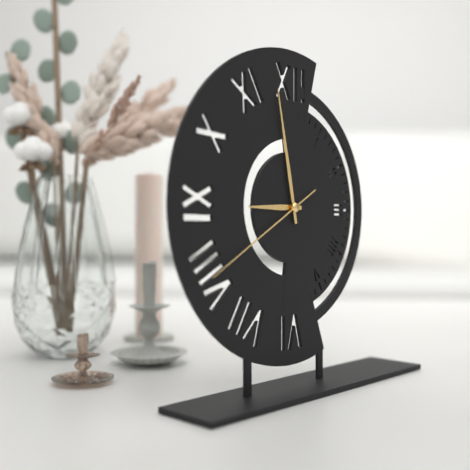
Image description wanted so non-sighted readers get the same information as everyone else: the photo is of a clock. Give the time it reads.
8:58:40
